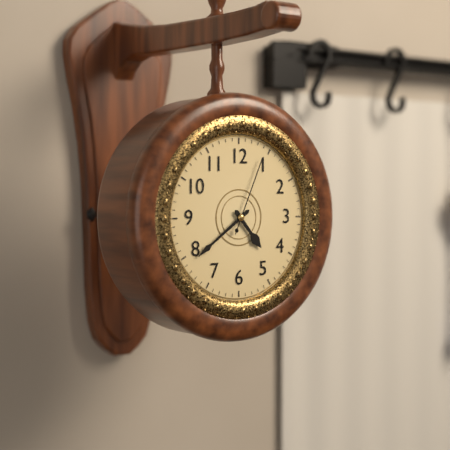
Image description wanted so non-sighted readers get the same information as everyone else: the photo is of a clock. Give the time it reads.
4:39:04
